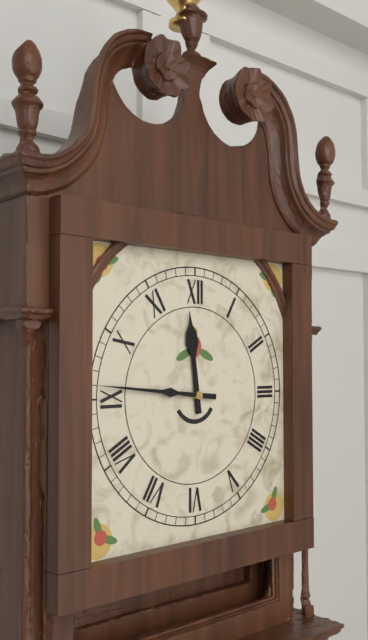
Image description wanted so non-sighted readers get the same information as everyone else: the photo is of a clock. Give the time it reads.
11:46
